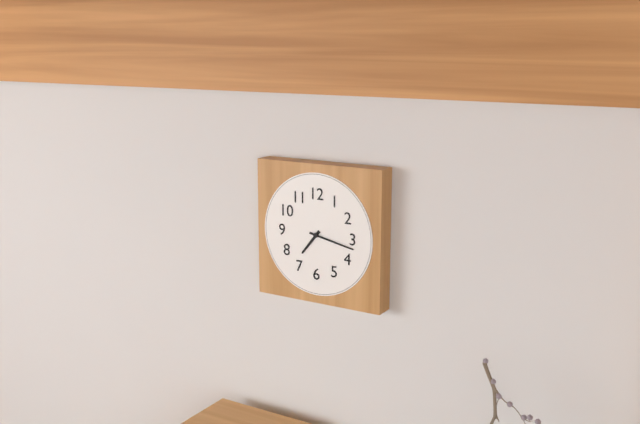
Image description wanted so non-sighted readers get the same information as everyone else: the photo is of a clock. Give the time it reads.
7:17
